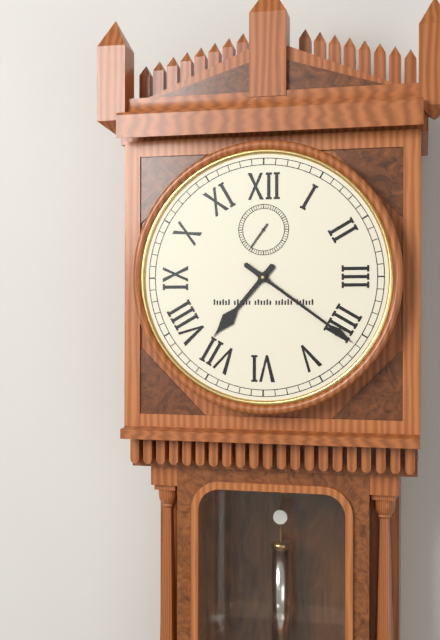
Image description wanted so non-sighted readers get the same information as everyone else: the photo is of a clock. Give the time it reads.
7:21
